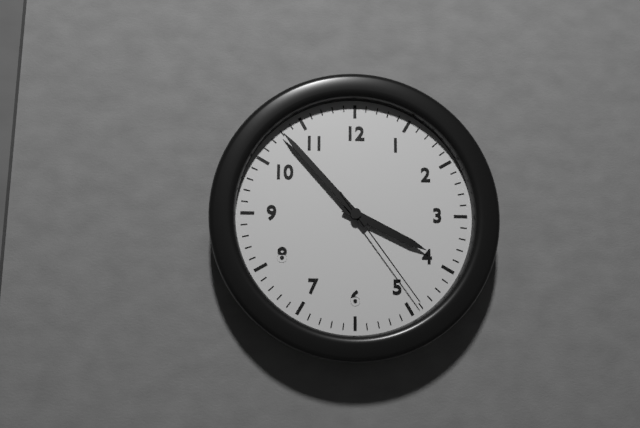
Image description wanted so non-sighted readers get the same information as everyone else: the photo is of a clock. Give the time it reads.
3:53:24
